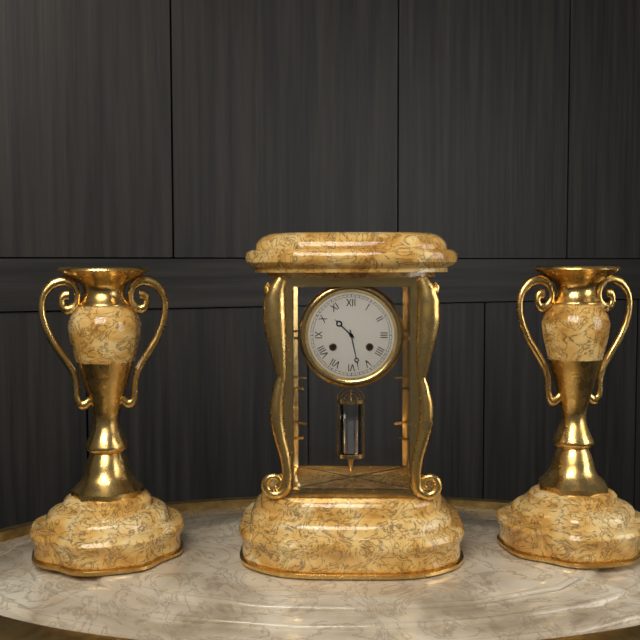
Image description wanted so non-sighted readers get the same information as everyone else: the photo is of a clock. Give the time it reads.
10:28
